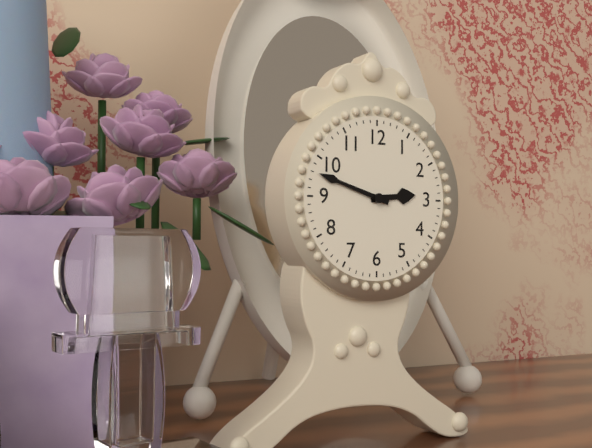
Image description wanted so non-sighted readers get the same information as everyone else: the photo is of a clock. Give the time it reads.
2:48
